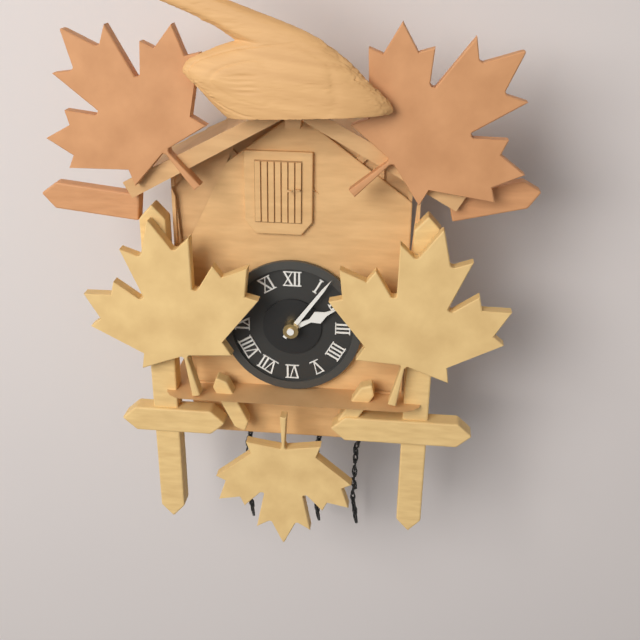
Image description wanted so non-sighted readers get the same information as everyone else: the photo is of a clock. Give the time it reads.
2:06
